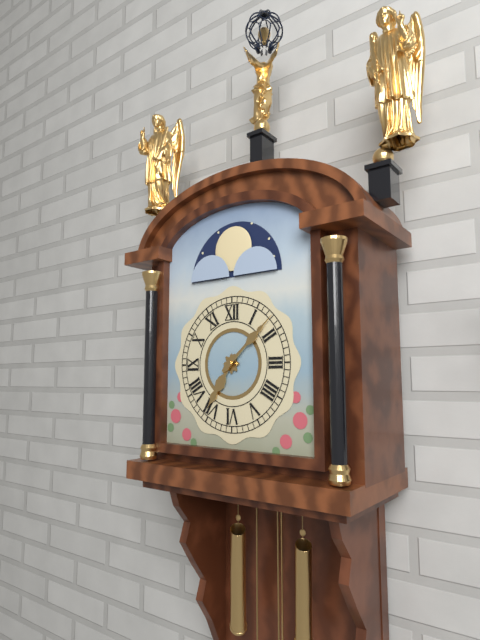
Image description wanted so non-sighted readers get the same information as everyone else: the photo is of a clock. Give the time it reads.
7:08
